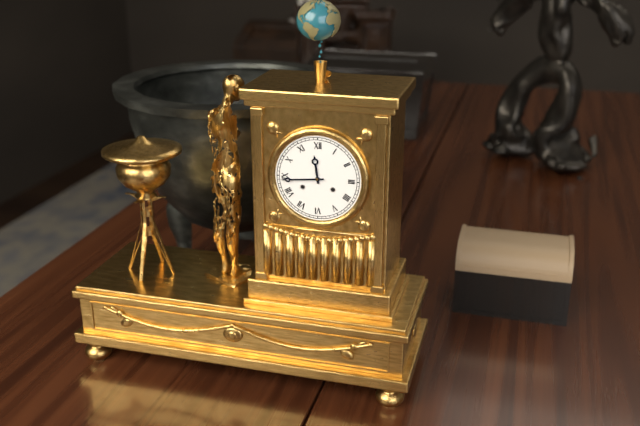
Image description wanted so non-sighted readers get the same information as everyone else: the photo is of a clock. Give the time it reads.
11:44
